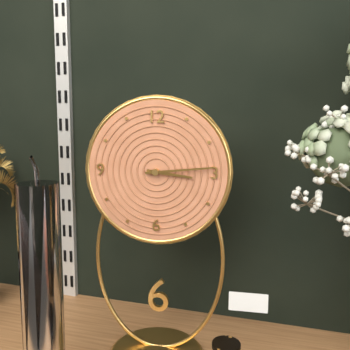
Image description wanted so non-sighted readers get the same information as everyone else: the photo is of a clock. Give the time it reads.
3:14
